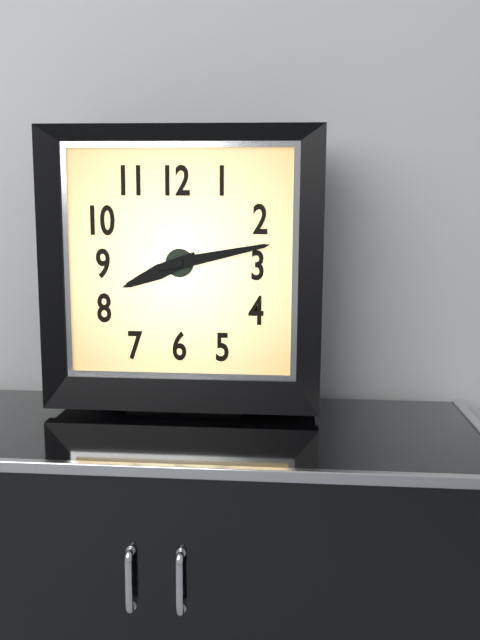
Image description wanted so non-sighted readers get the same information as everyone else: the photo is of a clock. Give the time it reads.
8:13
